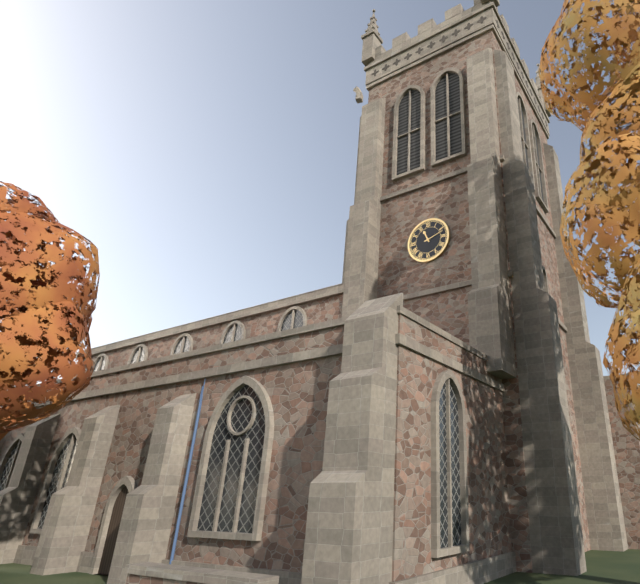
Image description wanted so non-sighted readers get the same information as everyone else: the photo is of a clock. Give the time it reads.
11:12
